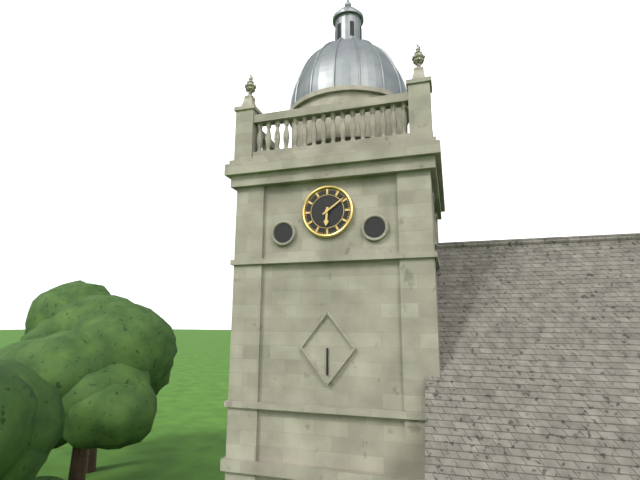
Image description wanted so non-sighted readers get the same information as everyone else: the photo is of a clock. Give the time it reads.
6:09
